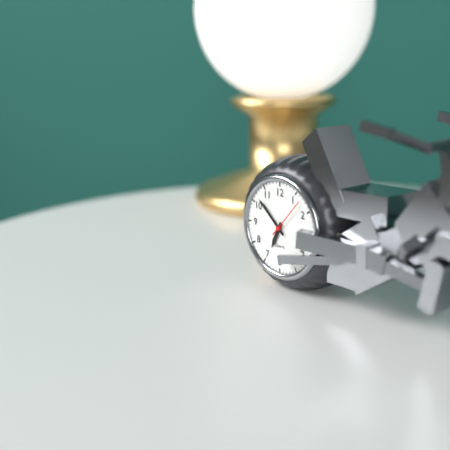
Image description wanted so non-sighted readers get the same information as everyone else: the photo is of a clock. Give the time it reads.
6:52
